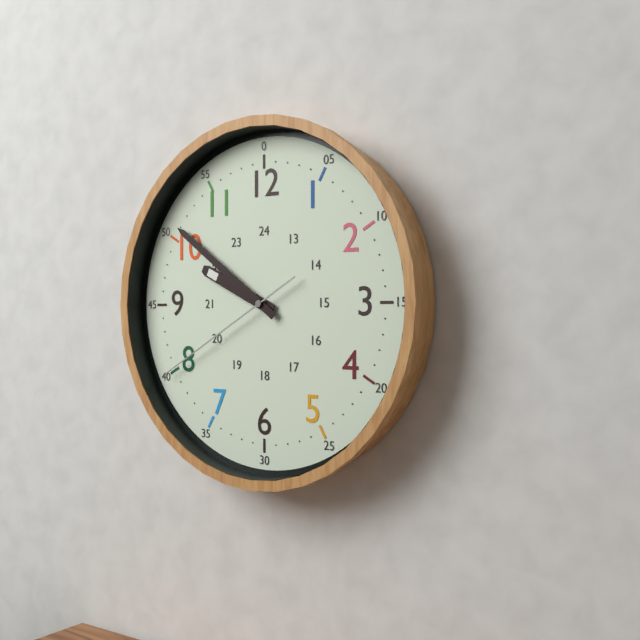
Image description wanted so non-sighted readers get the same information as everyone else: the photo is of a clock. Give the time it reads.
9:51:40
